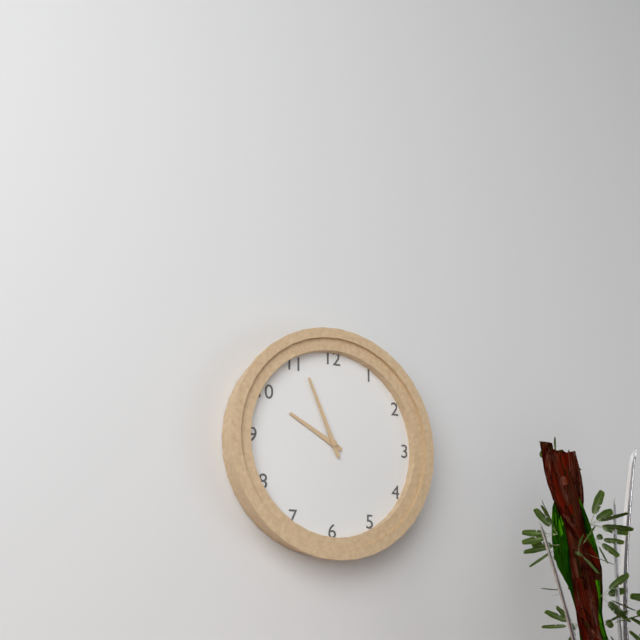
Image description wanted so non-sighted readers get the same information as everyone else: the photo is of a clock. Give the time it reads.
9:56
